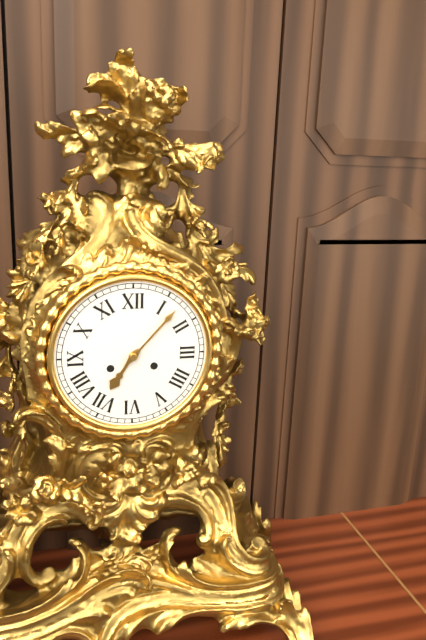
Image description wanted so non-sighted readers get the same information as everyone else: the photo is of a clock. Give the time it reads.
7:07
